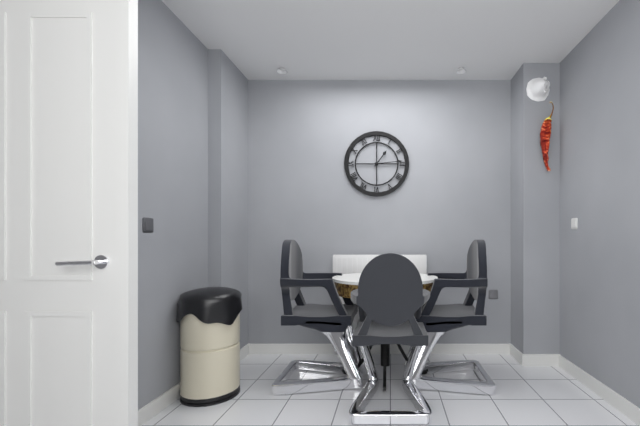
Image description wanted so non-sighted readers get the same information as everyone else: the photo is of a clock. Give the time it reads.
1:14
